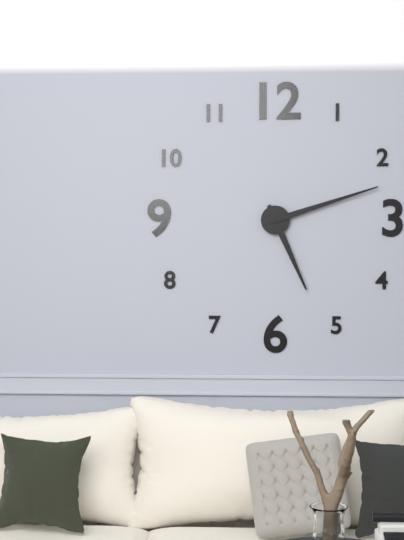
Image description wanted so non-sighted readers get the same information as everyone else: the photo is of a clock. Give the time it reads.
5:12
